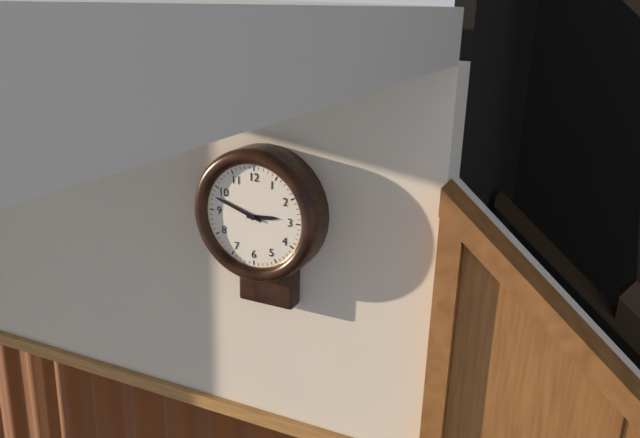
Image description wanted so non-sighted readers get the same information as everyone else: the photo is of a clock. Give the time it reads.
2:48
